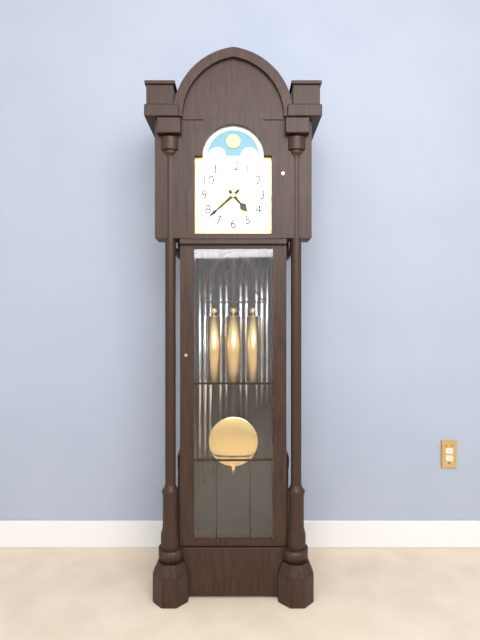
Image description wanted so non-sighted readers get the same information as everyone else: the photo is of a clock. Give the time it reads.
4:38
